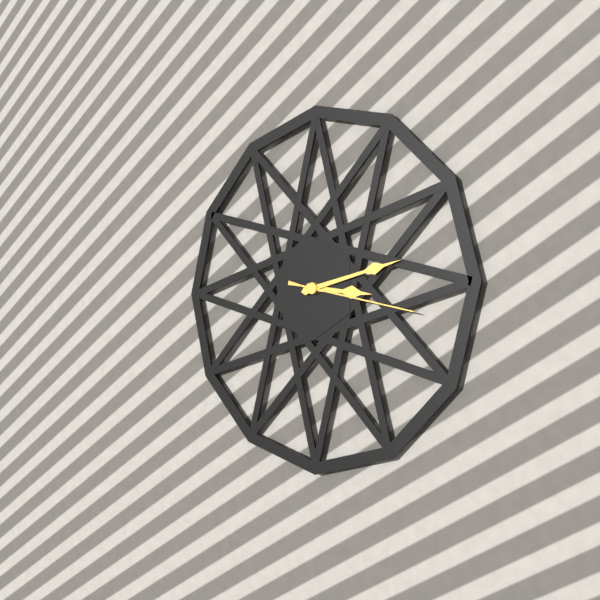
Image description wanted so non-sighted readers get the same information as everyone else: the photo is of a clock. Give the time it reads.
3:13:17
